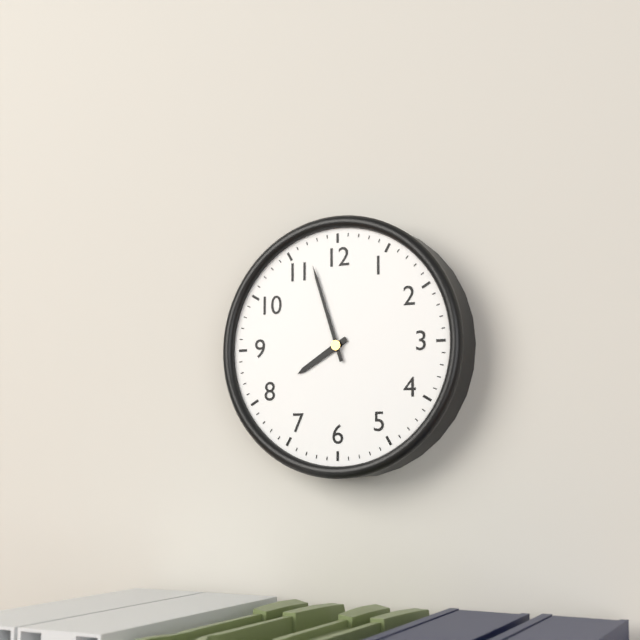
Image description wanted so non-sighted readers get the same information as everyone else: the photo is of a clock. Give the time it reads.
7:57
